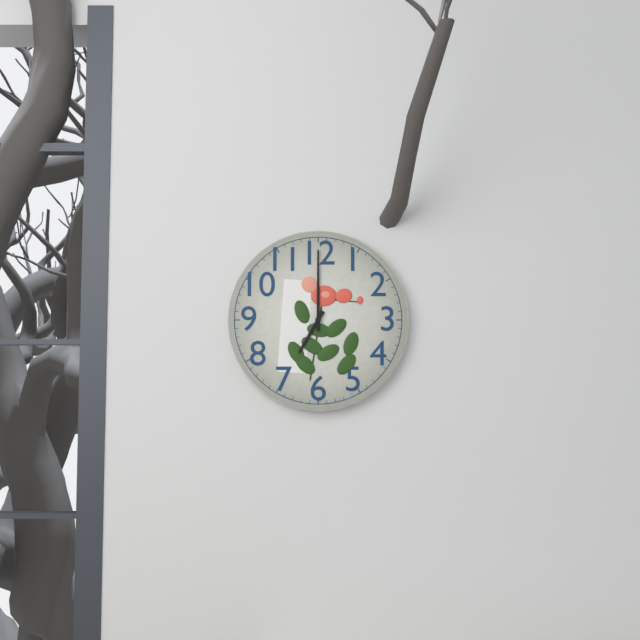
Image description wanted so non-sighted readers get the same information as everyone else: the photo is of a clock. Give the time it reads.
7:00
